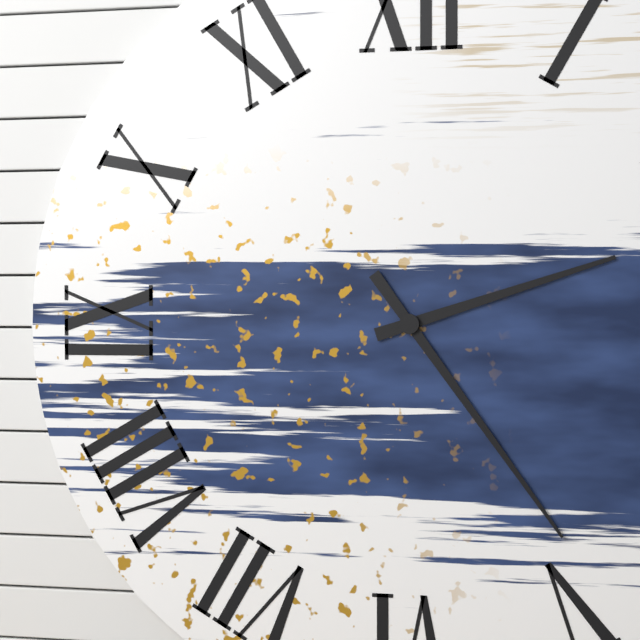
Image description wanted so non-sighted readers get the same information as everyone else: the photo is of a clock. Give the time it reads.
2:24
